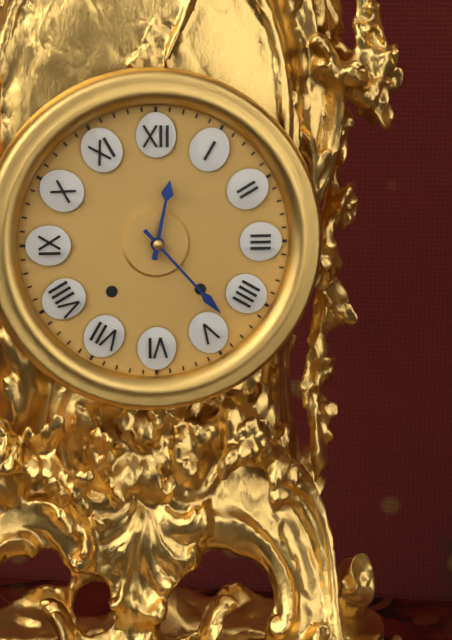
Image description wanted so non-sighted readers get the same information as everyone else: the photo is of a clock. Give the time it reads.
12:23
